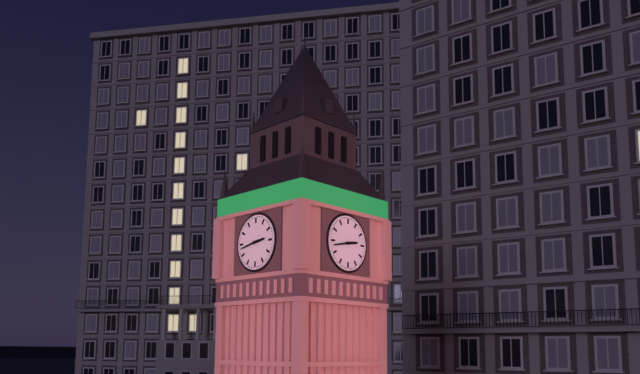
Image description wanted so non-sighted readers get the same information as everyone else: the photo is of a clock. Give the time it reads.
2:43
